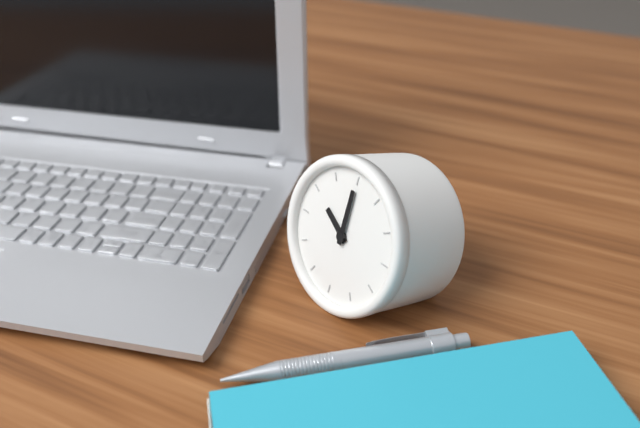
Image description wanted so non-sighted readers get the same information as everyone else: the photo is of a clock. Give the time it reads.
10:00
